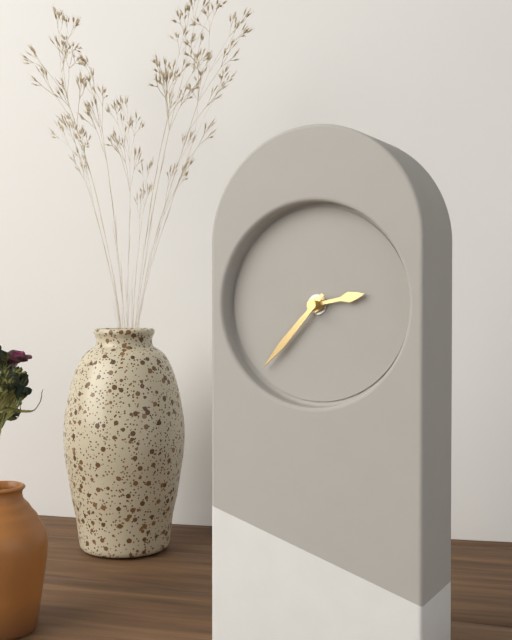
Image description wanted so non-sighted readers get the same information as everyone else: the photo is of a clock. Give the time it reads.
2:37
